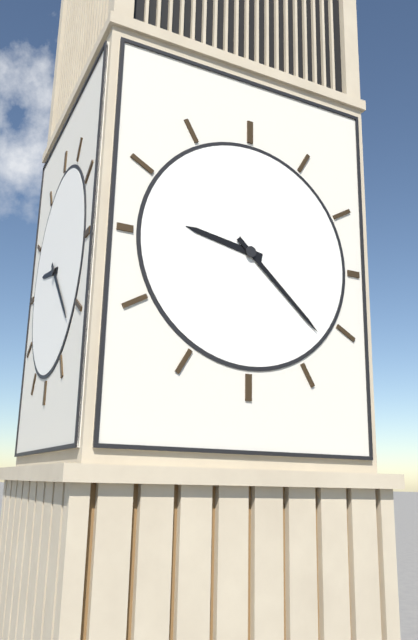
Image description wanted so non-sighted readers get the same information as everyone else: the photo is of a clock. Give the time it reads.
9:22
